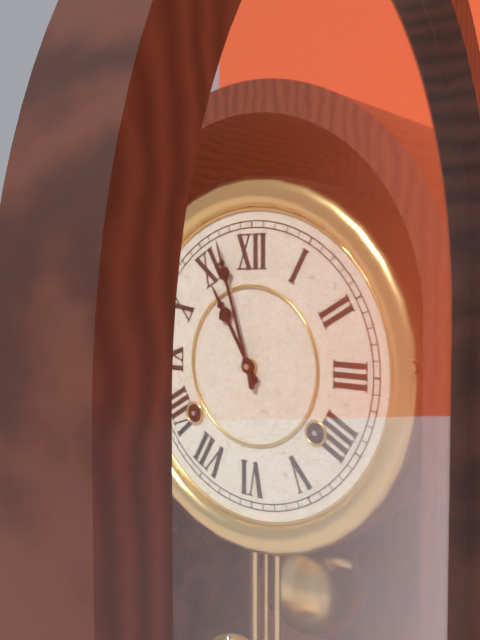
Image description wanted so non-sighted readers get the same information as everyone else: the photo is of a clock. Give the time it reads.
10:57
